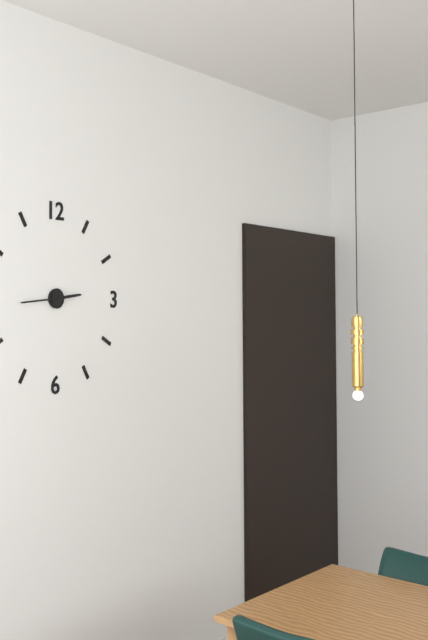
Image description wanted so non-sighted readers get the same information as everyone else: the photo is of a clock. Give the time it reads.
2:44
